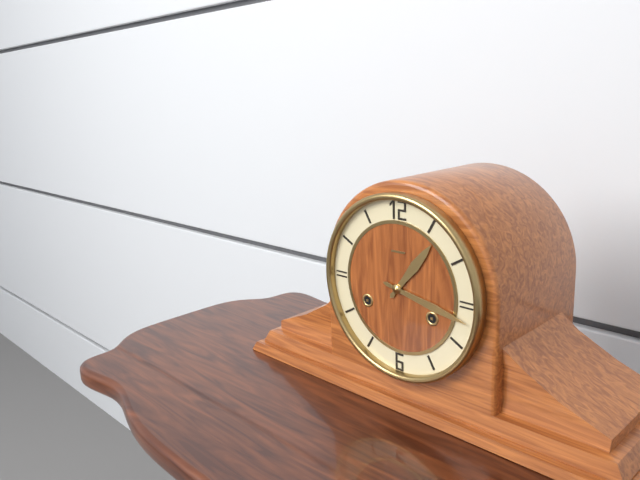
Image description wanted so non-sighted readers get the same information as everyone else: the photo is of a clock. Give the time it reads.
1:17
